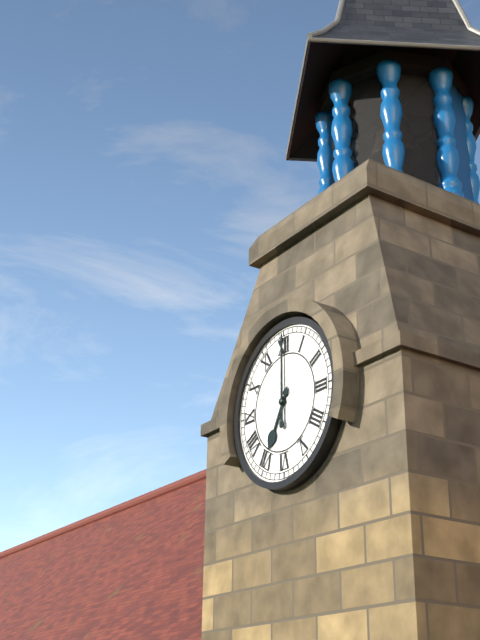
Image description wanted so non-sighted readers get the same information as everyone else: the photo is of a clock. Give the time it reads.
7:00
